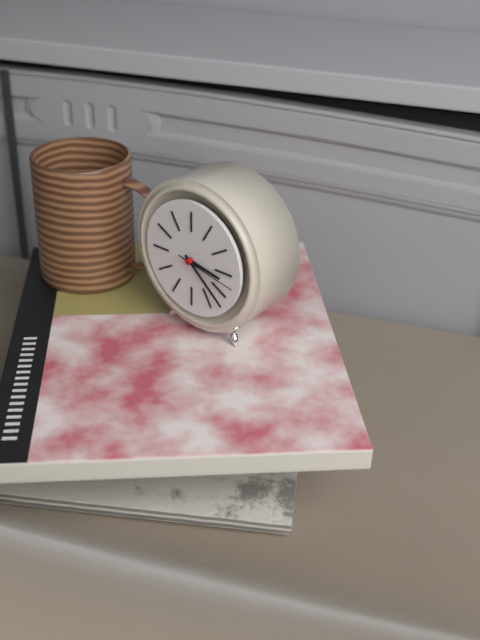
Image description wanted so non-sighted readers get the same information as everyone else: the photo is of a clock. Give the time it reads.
3:22:17
